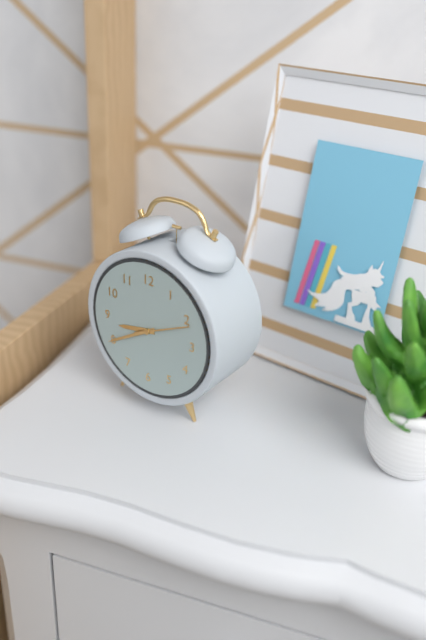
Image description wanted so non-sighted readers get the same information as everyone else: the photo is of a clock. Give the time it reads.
8:40:11
